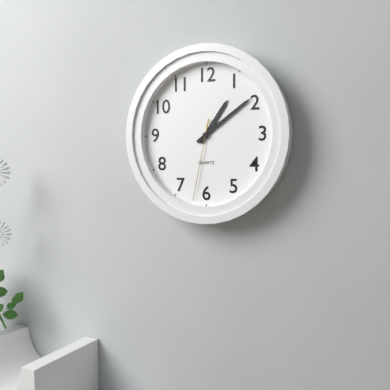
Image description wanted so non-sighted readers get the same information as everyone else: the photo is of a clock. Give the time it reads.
1:09:32
